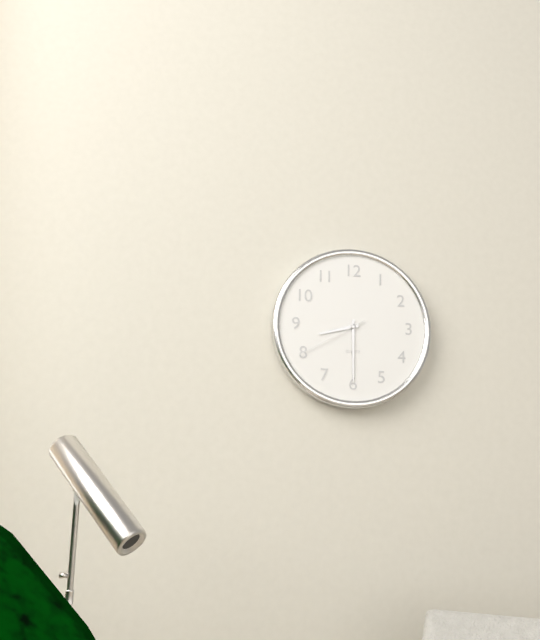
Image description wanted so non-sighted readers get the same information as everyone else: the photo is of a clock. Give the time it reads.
8:30:40
